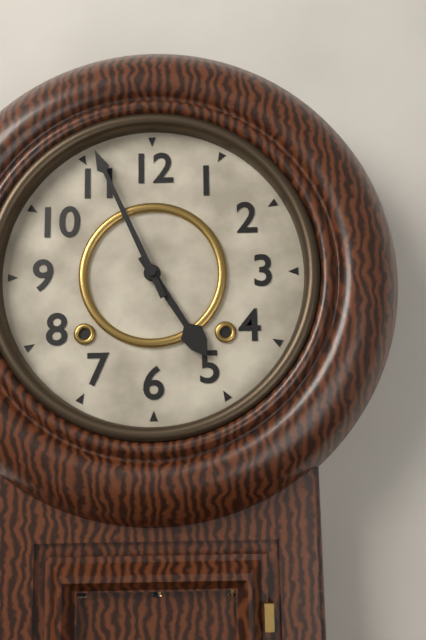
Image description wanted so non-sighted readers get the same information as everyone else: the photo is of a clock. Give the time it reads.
4:56
